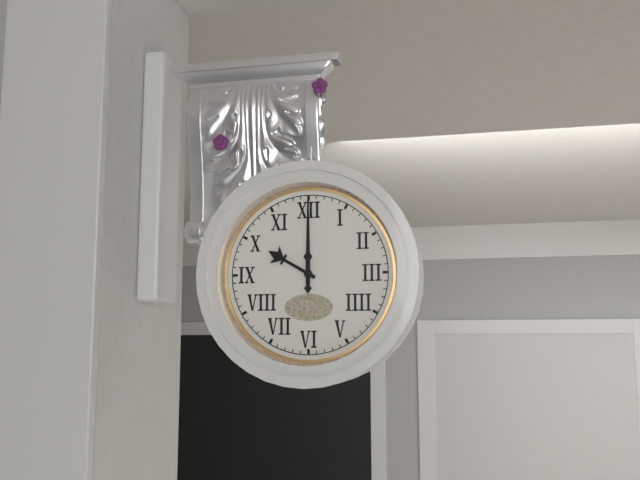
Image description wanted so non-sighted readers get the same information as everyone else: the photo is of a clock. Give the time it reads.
10:00
